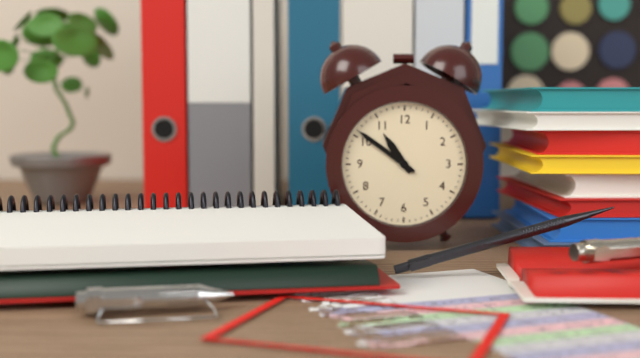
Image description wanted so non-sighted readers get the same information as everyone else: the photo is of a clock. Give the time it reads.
10:51
